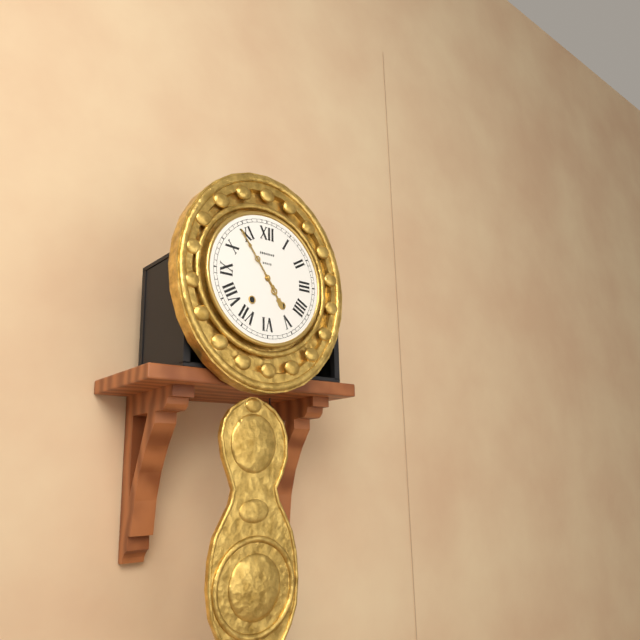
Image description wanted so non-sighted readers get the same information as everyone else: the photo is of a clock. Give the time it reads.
4:54
